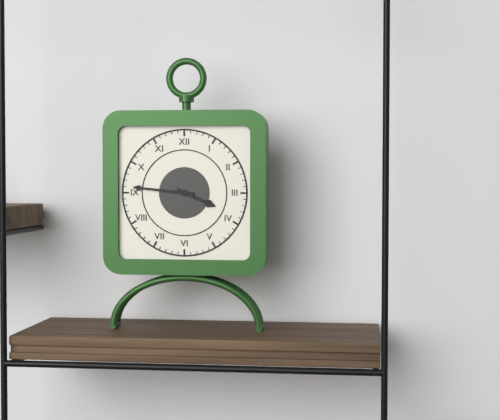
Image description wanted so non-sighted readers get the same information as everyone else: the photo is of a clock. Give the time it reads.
3:46
